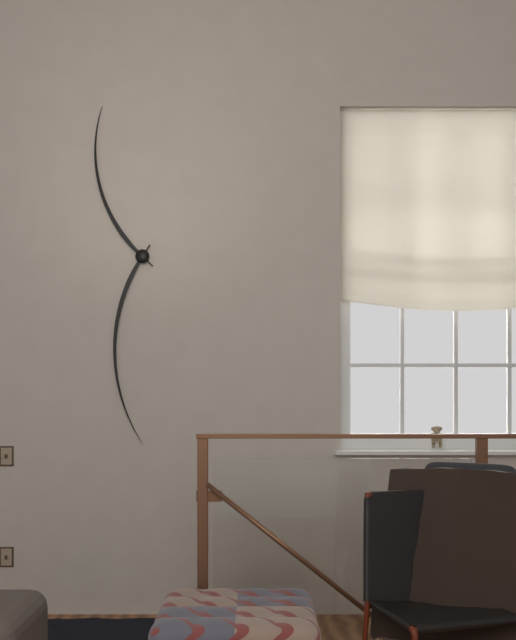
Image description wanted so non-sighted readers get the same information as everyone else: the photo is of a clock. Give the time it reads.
11:30
